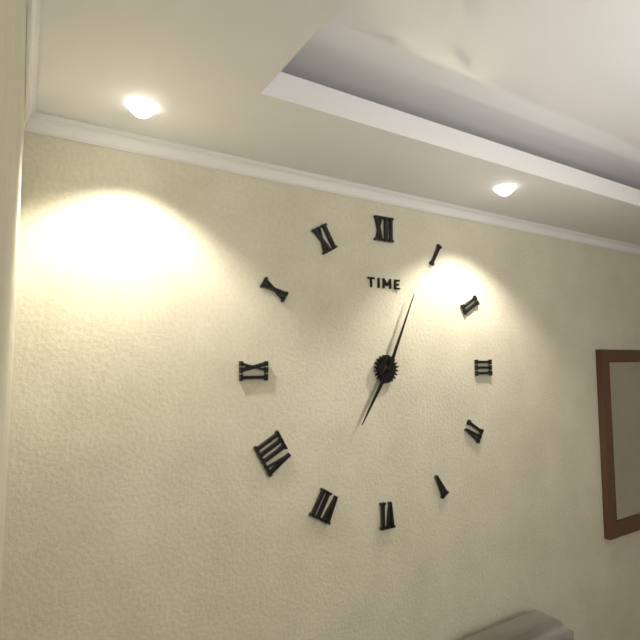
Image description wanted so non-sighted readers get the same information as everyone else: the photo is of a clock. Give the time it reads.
7:04
